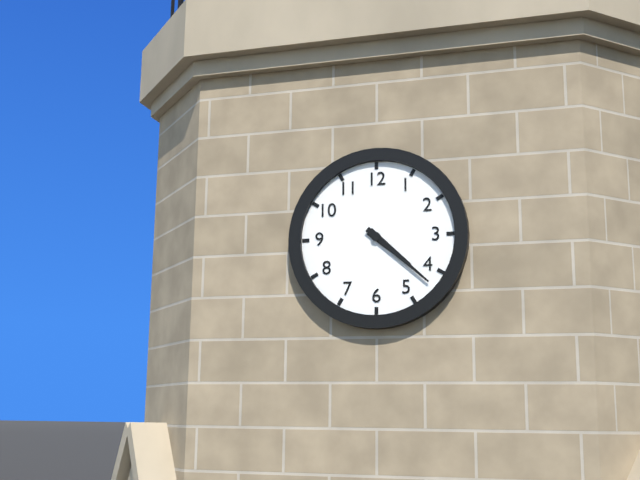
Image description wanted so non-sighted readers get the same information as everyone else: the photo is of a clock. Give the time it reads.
4:22
